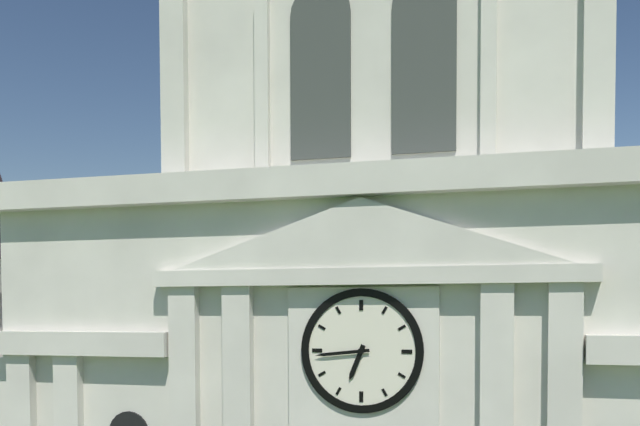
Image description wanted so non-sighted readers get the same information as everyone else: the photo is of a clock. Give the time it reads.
6:44
